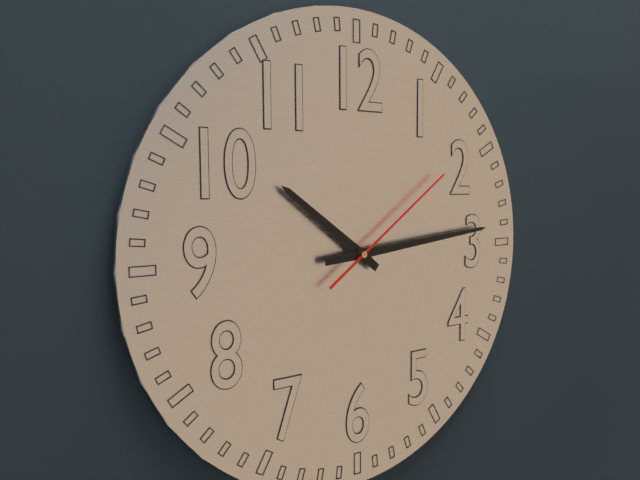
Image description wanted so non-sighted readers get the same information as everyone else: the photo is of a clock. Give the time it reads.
10:14:09
